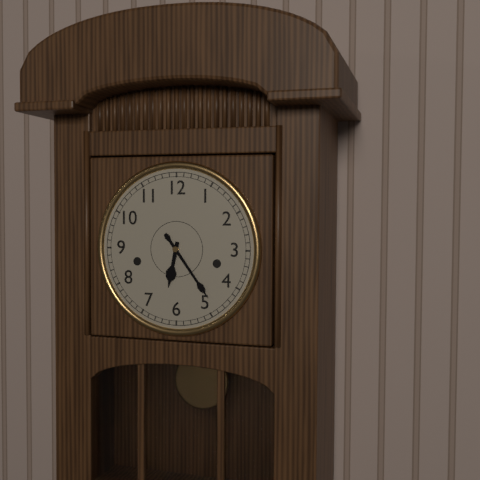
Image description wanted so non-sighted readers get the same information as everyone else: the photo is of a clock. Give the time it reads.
6:24
